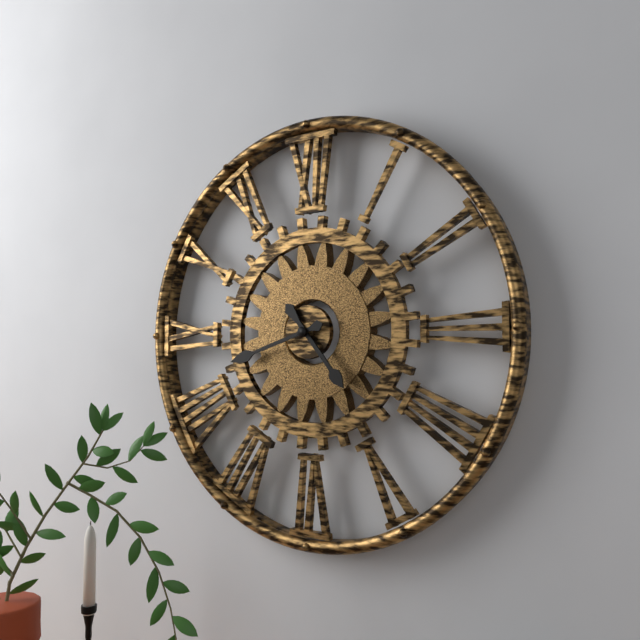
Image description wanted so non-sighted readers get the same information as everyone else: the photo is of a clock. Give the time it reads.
4:42
